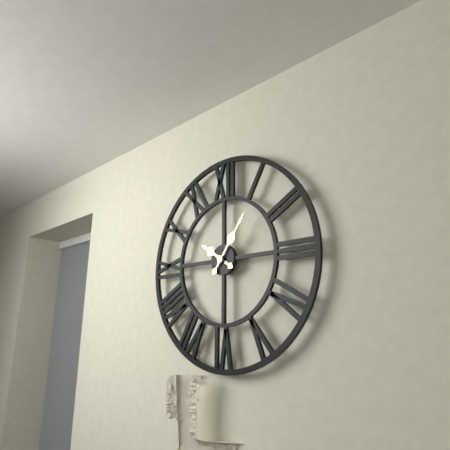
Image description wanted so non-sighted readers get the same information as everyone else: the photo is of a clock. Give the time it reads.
10:06
